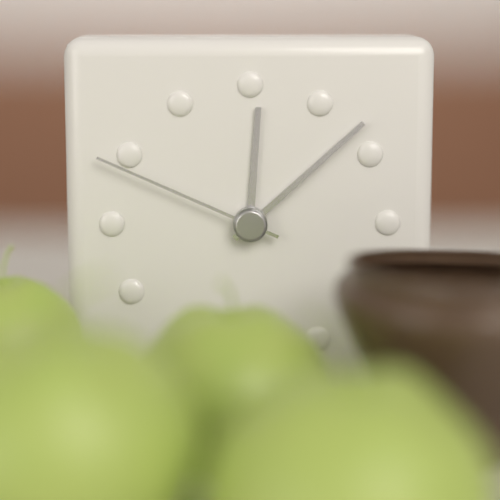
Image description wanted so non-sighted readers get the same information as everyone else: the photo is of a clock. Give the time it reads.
12:08:49
